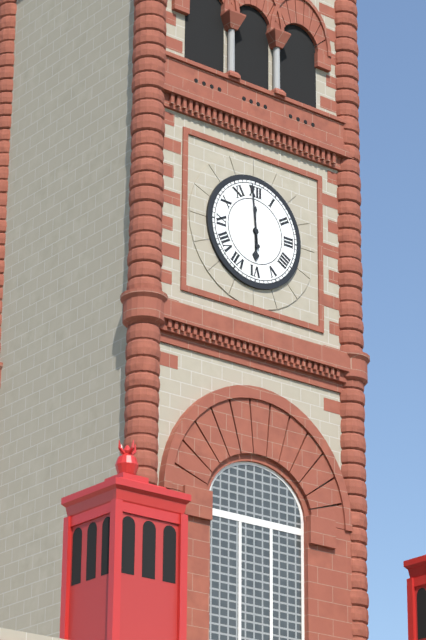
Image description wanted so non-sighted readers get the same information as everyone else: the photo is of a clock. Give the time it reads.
5:59
